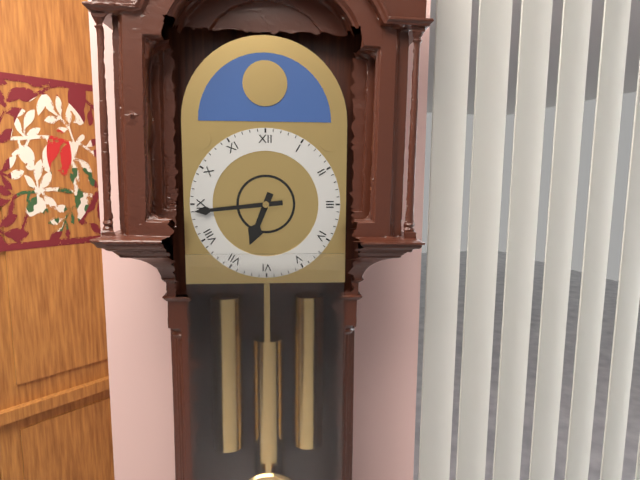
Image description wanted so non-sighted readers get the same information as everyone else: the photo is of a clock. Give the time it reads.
6:44
